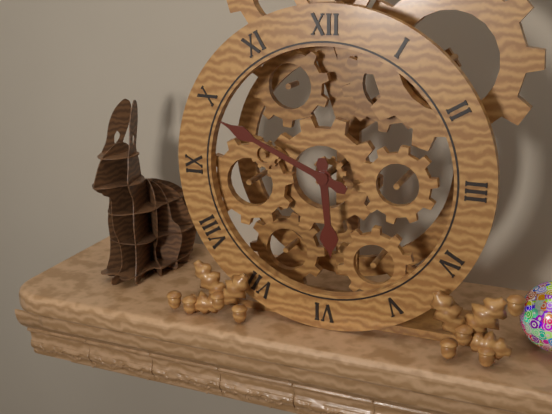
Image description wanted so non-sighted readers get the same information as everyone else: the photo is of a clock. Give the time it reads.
5:49
